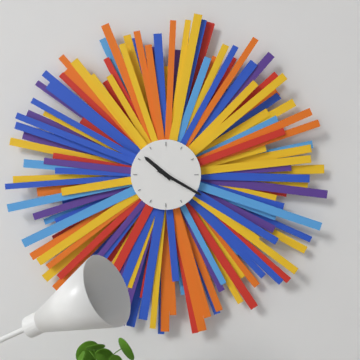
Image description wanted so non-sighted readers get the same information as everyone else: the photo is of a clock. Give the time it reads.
10:20
